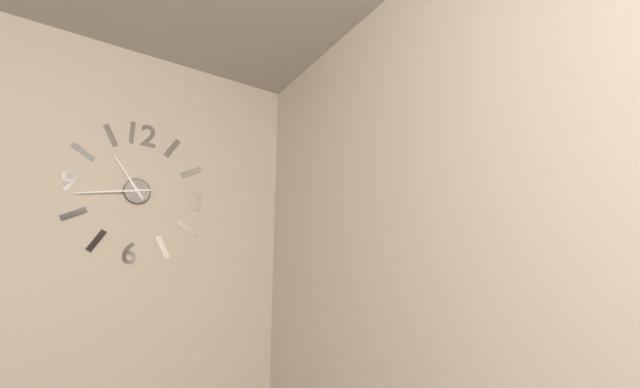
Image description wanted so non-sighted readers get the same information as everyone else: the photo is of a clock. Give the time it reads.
10:43
